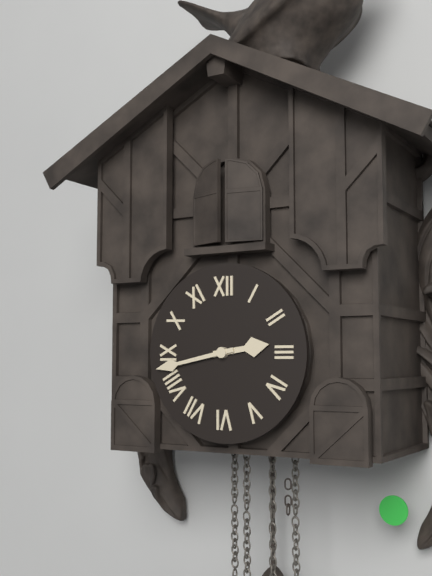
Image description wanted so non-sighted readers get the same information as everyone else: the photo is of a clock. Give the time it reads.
2:43
